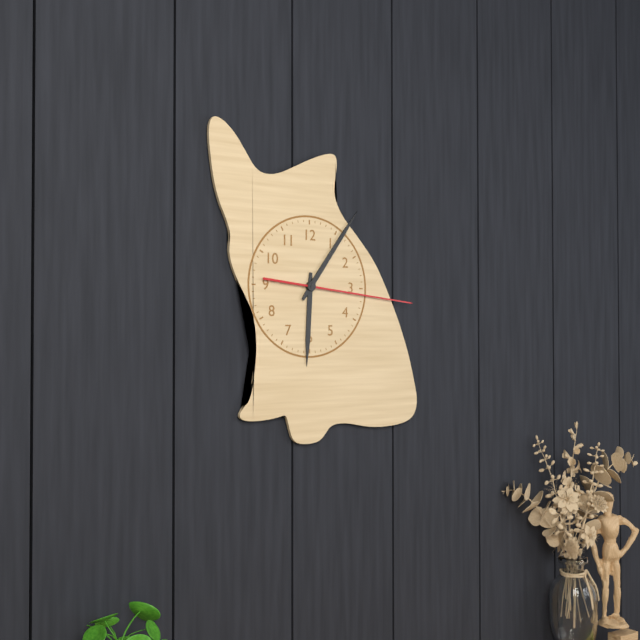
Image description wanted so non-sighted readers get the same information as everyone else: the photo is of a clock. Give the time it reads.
6:06:16
